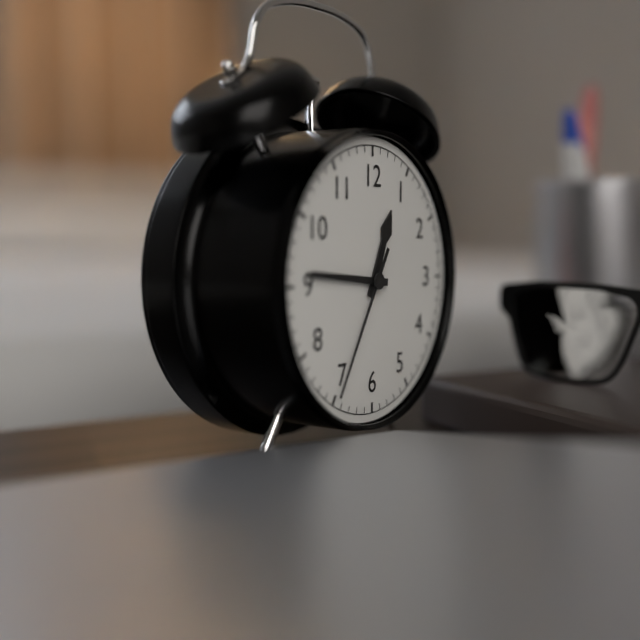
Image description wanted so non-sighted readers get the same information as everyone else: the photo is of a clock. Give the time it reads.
12:46:35
